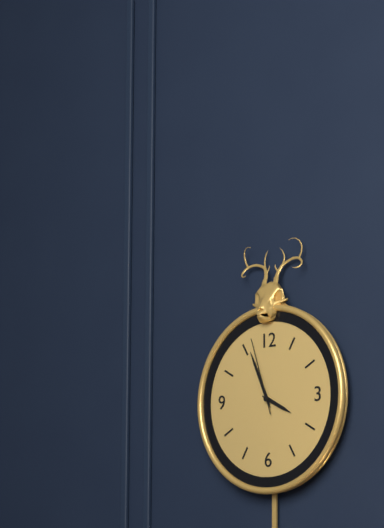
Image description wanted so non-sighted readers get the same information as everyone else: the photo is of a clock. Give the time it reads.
3:56:57
